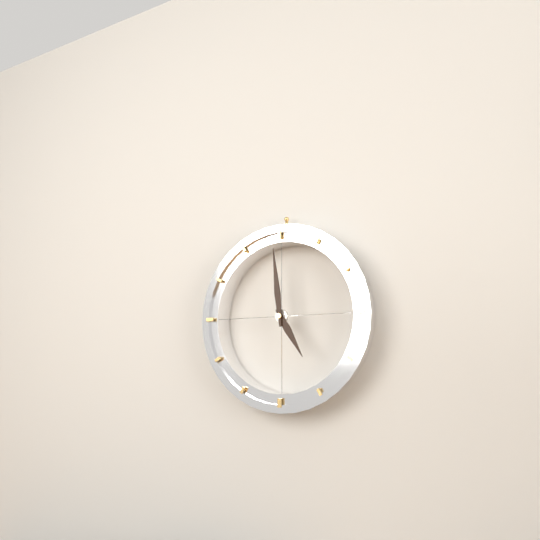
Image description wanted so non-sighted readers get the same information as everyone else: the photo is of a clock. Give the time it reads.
4:59
